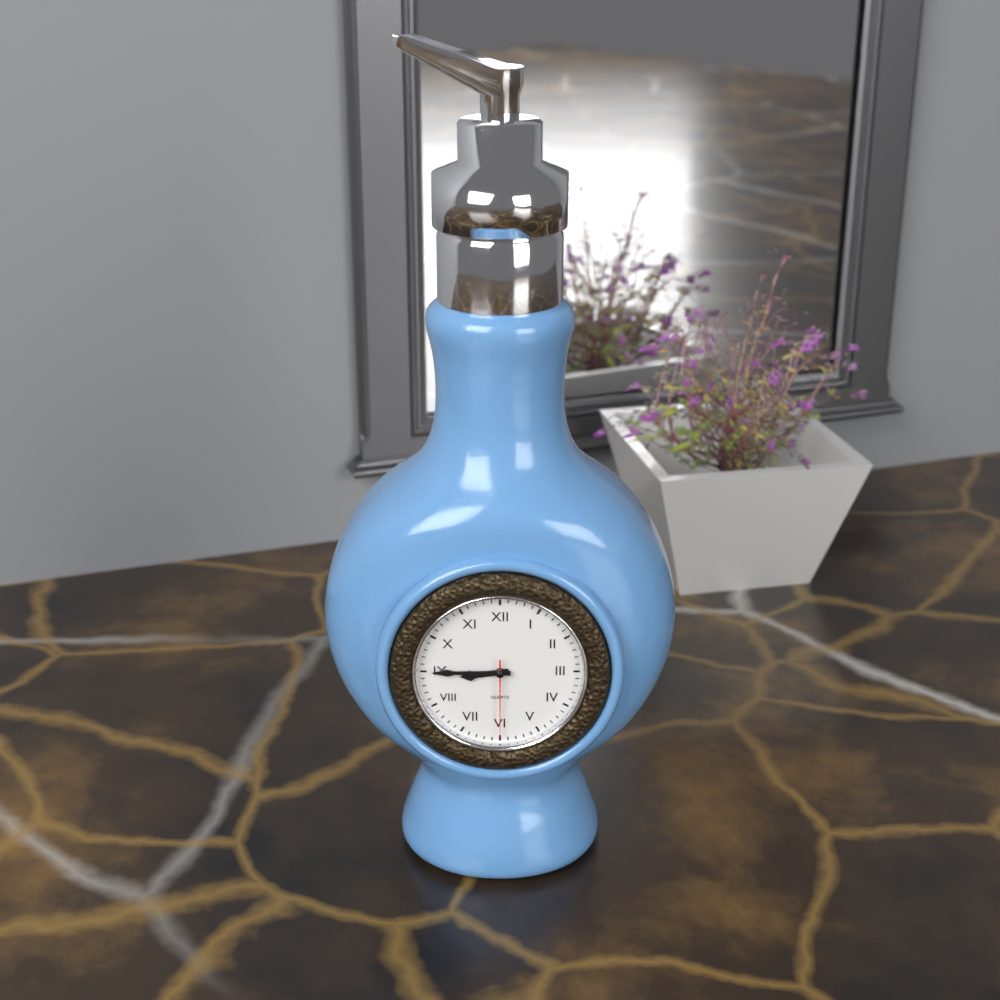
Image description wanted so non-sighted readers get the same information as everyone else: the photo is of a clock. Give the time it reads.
8:45:30
